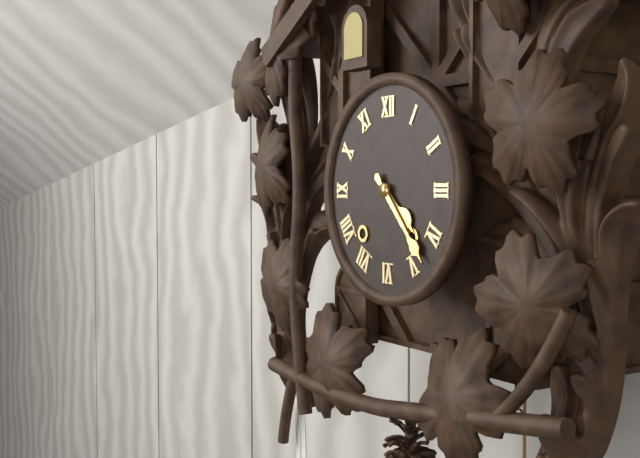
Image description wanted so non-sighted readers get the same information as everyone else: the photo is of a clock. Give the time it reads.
4:23
